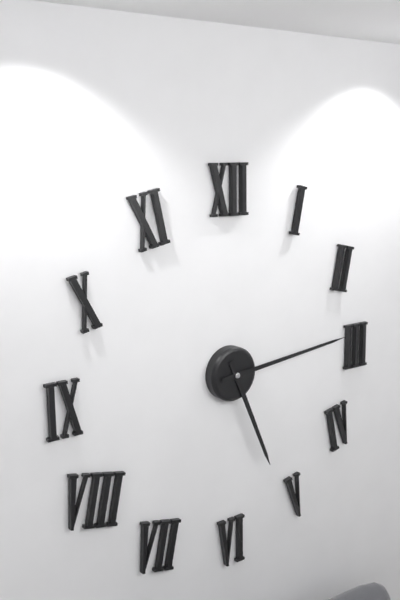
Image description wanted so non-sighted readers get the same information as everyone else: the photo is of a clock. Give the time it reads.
5:14
